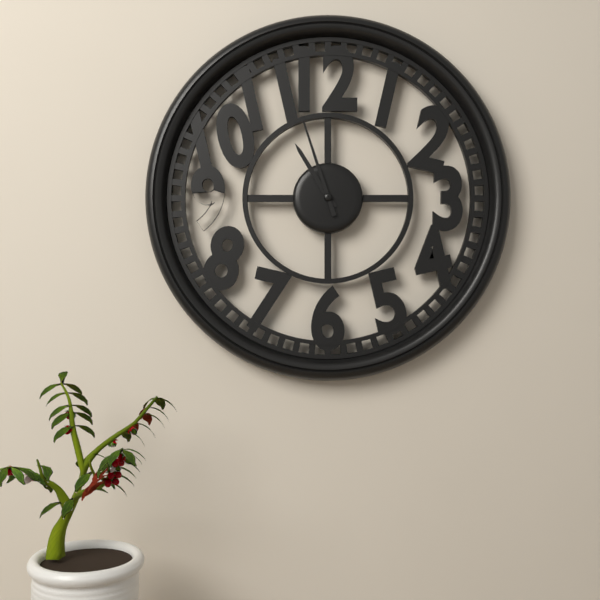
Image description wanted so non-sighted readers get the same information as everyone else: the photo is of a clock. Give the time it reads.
10:57
